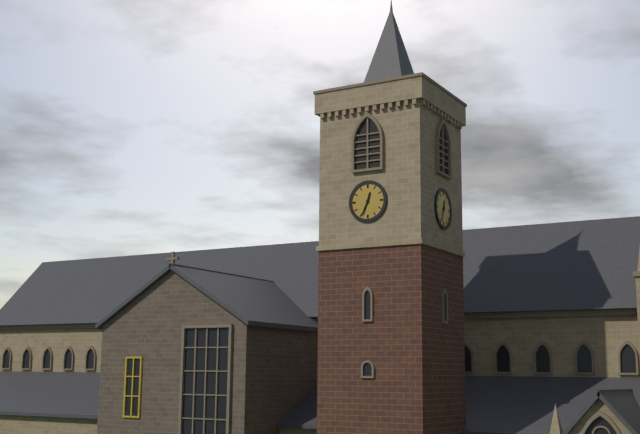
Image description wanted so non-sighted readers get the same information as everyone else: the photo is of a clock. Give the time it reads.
12:34
